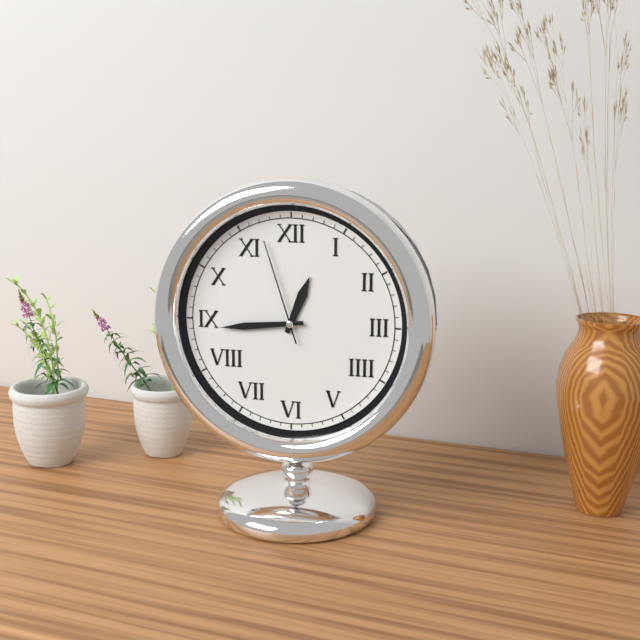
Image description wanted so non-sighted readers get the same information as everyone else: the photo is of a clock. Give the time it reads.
12:44:57
